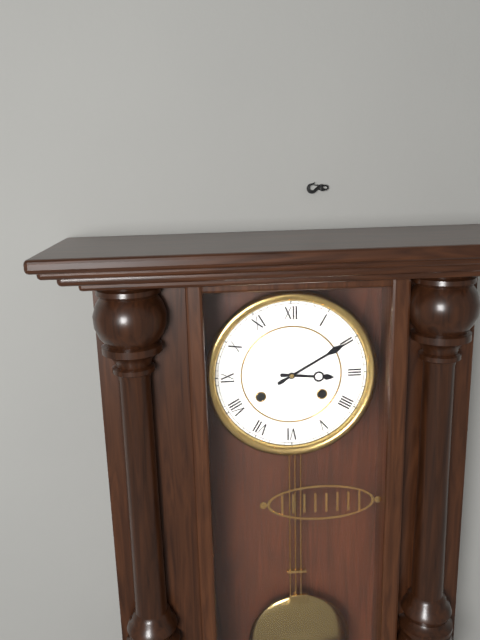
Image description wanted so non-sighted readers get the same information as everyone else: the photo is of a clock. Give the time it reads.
3:10
